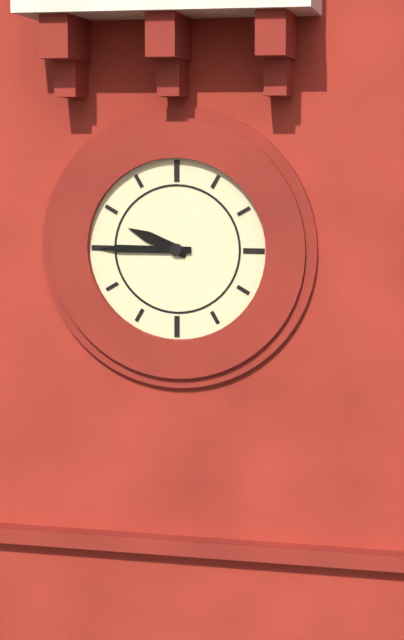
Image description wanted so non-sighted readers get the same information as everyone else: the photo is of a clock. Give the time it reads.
9:45
